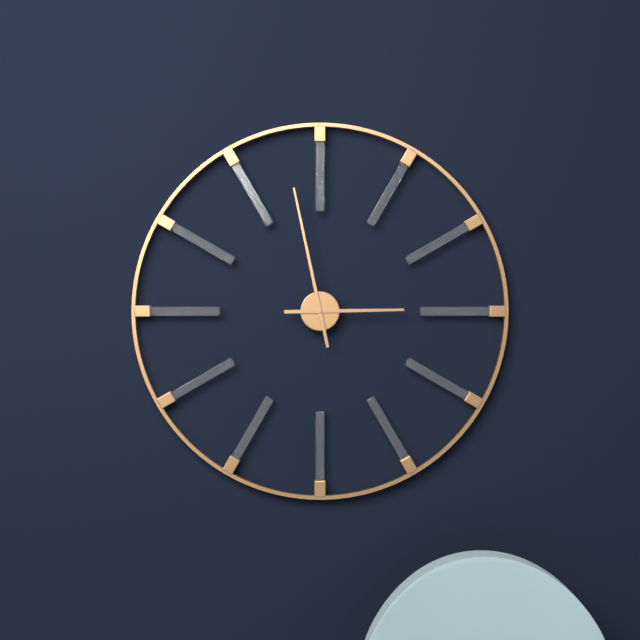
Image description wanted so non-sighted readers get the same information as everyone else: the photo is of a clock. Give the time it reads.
2:58
